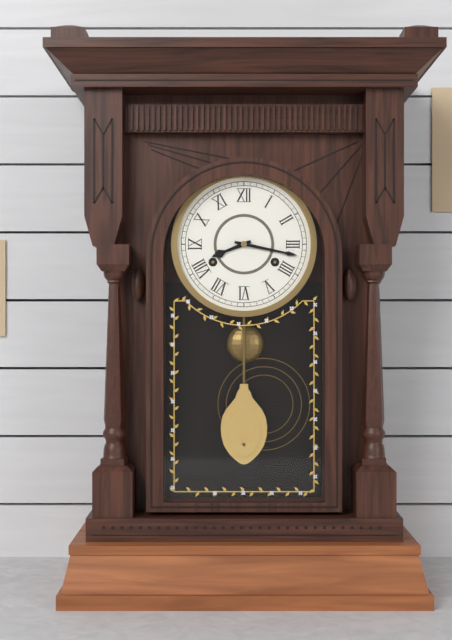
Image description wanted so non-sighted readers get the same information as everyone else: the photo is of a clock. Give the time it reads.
8:17
